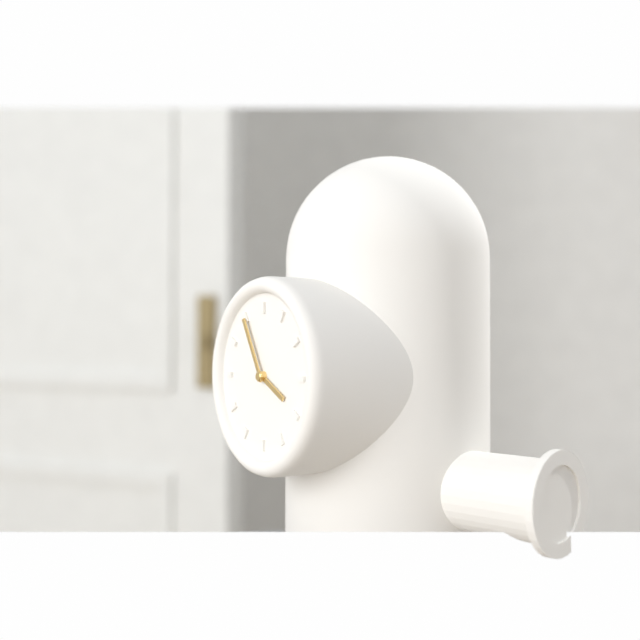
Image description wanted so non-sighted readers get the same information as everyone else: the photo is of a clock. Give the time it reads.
3:55
